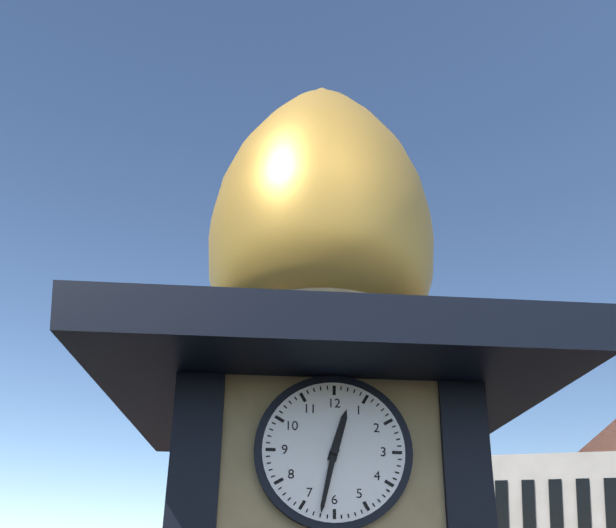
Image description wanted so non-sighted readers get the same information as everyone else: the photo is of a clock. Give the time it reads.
12:32
